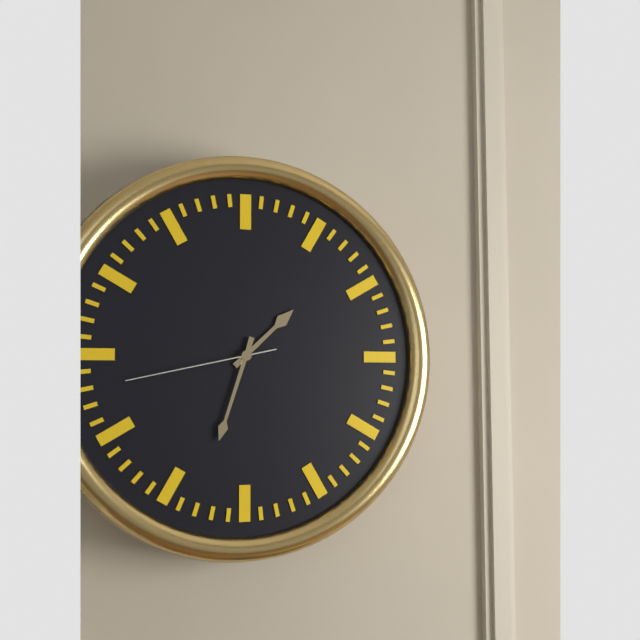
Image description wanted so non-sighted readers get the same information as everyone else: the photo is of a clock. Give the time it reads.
1:33:43
